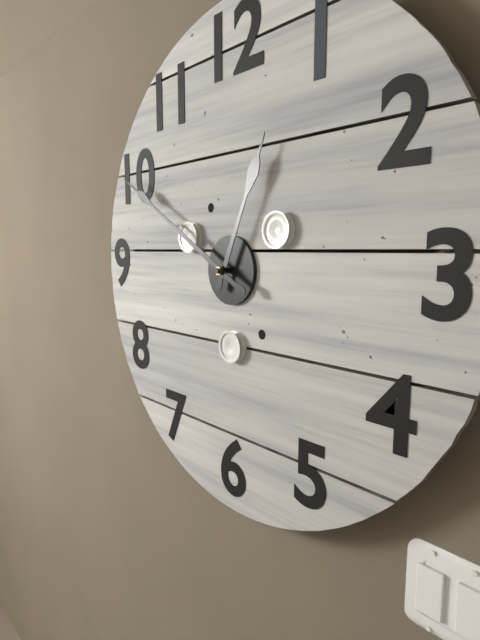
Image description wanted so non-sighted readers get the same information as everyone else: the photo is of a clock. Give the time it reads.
12:50
